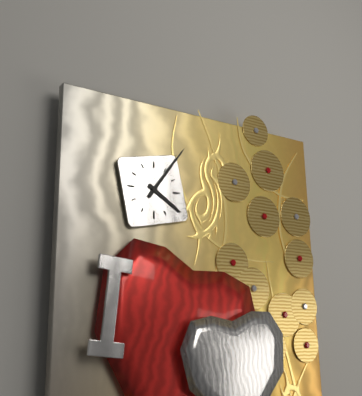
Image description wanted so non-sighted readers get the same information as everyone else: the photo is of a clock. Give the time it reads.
4:06
